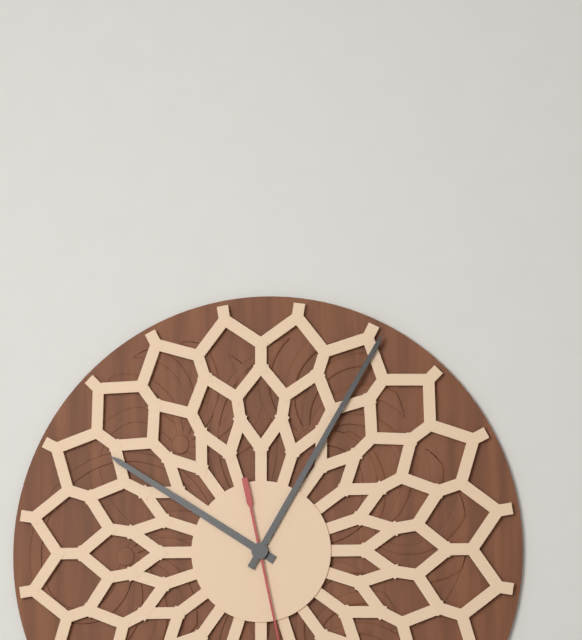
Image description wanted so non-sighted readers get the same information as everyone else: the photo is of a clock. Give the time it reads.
10:05
